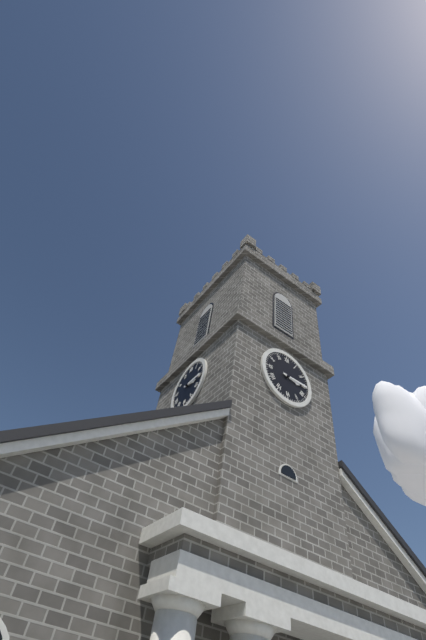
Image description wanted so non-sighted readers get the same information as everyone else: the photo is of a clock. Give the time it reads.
3:15
